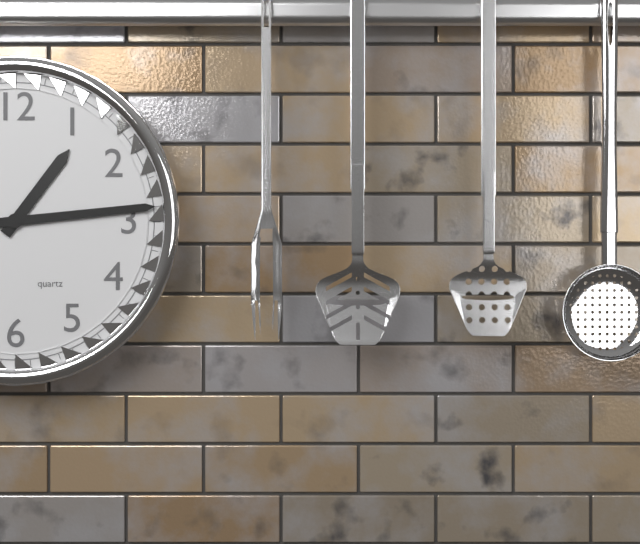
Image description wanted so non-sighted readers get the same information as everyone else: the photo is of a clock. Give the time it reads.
1:14
